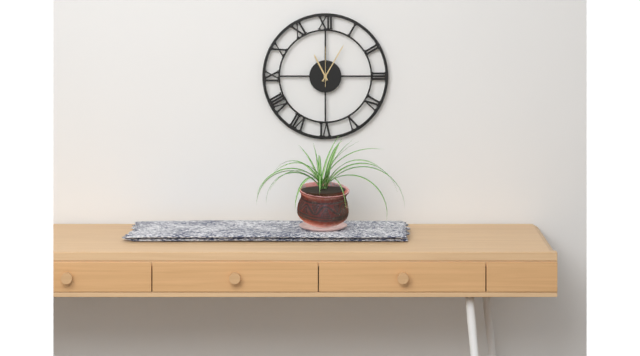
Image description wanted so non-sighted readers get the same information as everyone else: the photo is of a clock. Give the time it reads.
11:05
